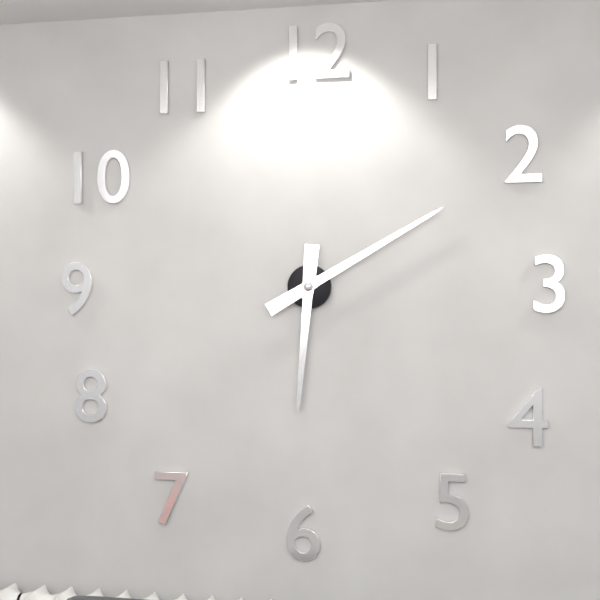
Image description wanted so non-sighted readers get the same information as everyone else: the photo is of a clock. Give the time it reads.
6:10
